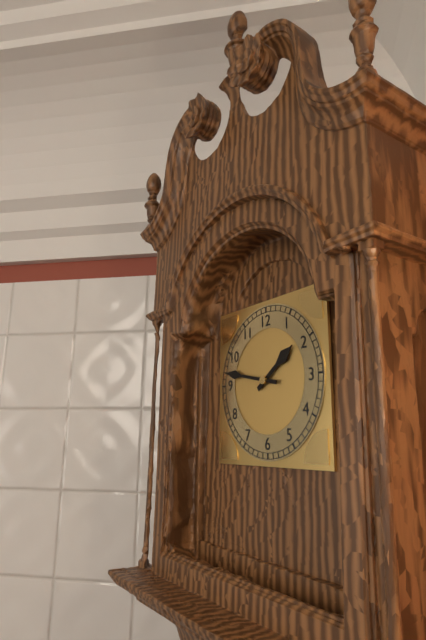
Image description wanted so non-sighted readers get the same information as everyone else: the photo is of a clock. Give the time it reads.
1:47
